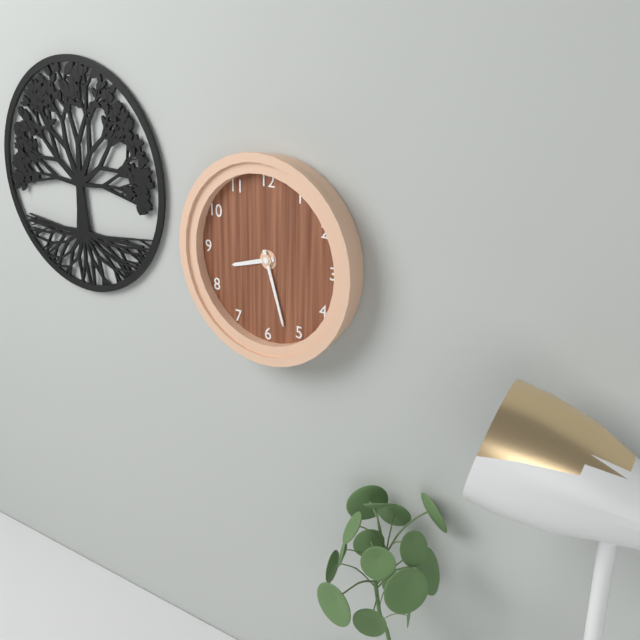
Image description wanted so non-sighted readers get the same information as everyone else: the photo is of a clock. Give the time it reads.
8:27
